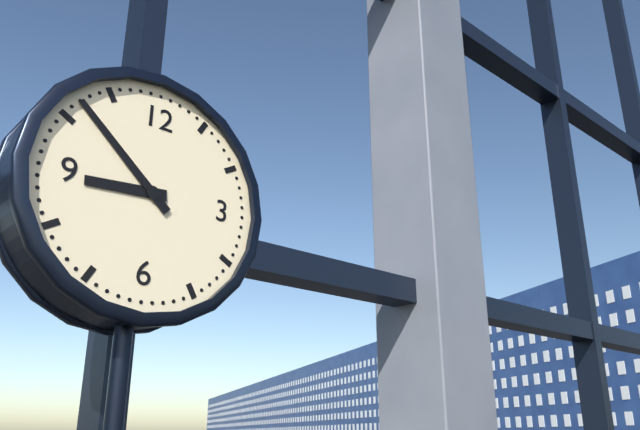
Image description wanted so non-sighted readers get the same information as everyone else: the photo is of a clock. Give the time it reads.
8:52
